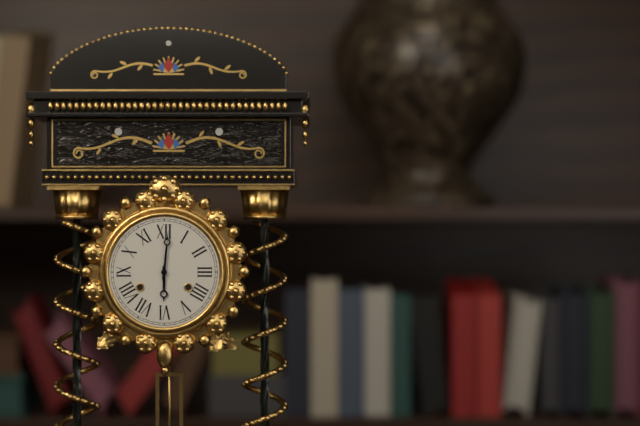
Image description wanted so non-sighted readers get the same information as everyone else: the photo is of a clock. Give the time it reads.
6:01
